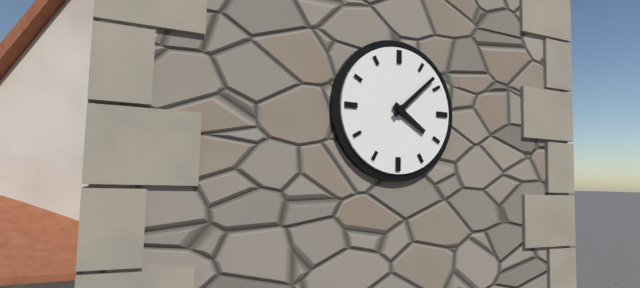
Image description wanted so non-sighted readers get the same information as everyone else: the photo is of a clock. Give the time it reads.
4:08
